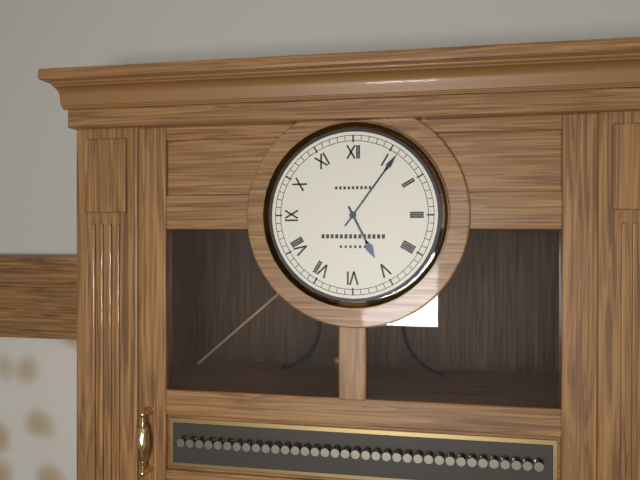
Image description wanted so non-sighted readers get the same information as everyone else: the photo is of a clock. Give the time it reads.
5:06
